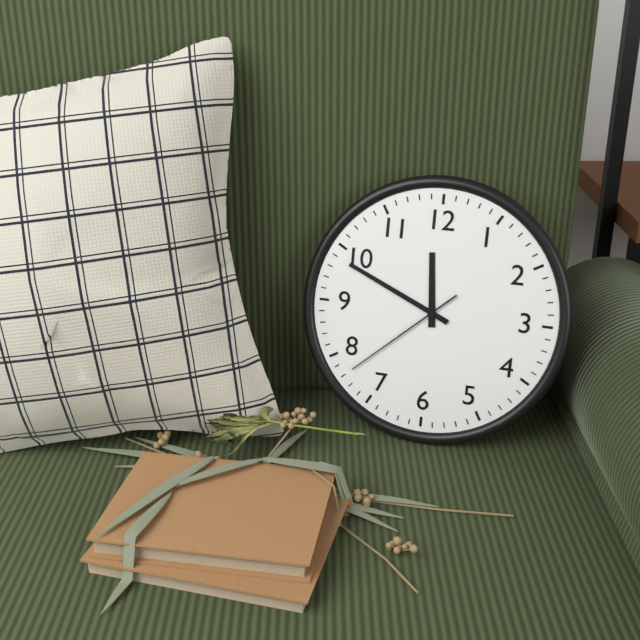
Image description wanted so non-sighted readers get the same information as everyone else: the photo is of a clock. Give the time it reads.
11:49:38
